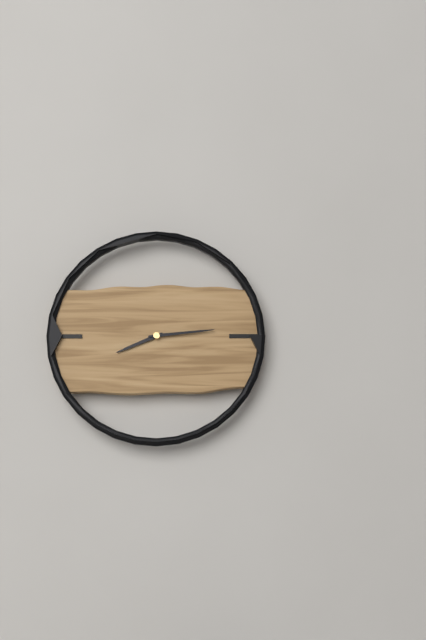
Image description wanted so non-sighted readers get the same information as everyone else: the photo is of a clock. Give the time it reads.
8:14
